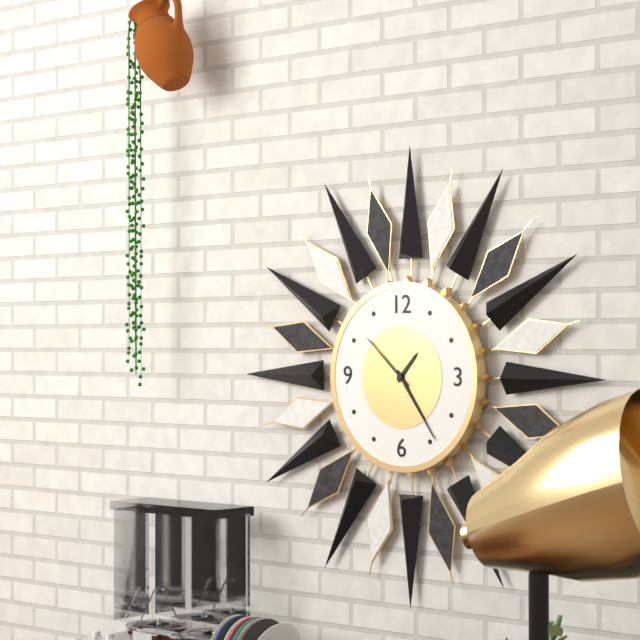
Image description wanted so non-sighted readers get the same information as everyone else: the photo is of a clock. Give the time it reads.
1:24:52
